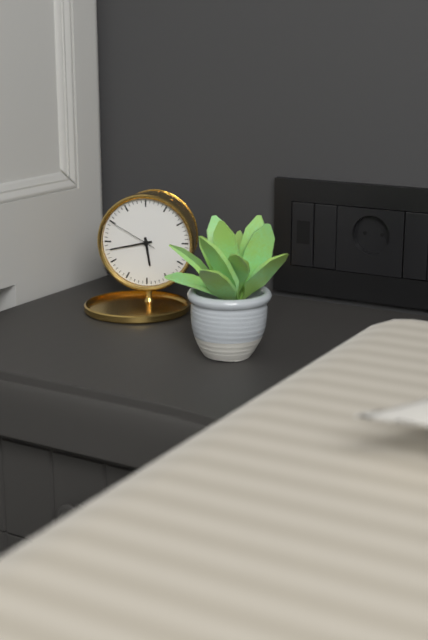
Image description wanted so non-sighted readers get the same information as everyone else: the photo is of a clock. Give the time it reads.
5:43:50
